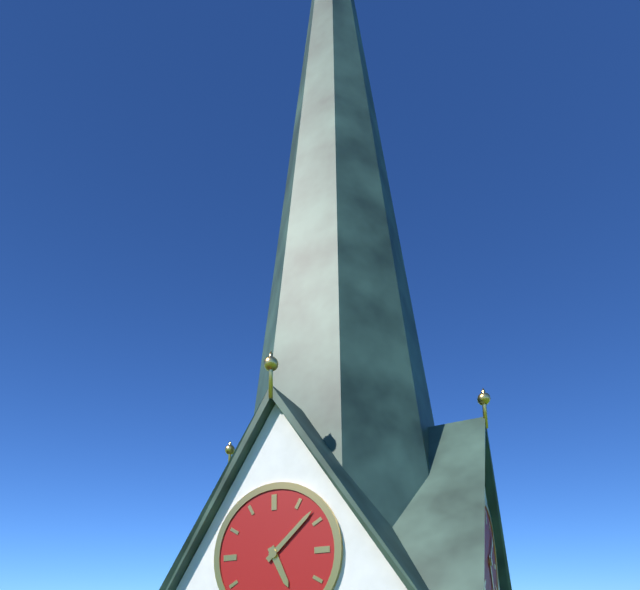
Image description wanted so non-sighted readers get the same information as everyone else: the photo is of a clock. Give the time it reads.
5:08
